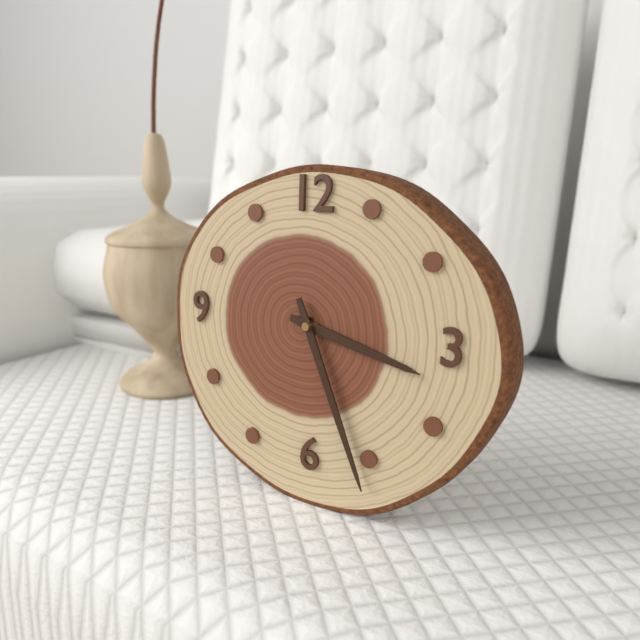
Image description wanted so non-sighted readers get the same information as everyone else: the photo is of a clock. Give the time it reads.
3:26
